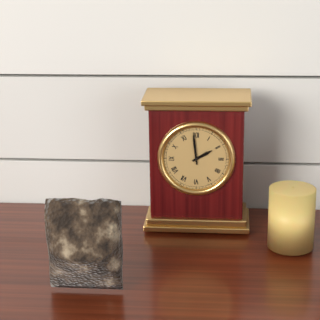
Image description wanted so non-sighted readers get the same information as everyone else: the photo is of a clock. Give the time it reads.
1:59
